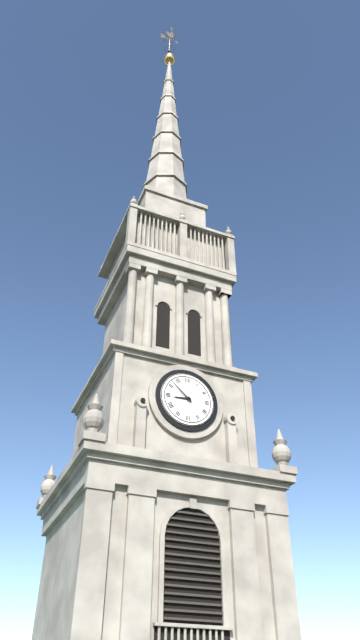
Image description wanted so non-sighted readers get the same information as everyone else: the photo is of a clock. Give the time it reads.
8:52
